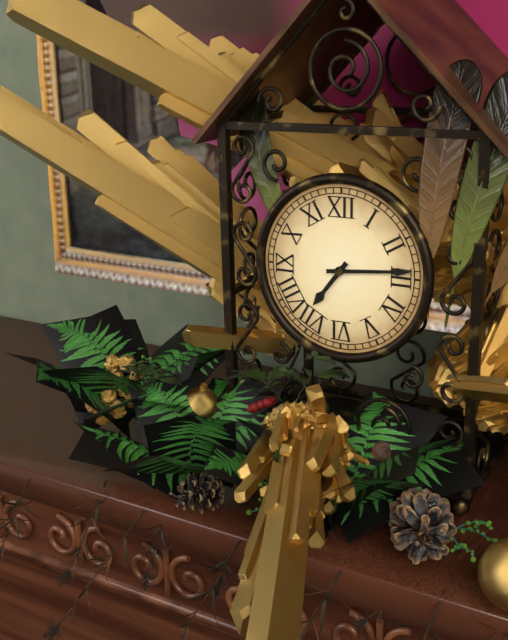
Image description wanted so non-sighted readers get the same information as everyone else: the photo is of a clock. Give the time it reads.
7:14
